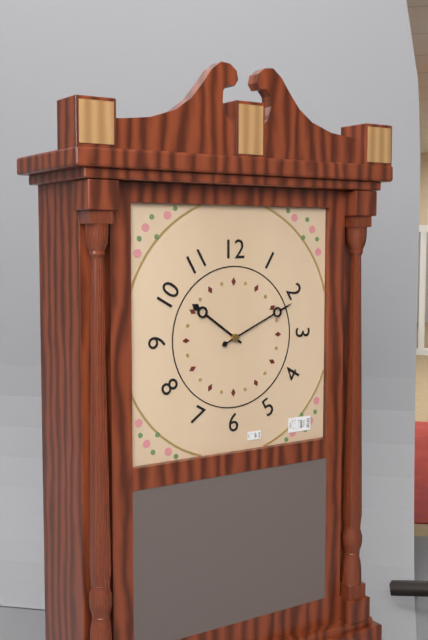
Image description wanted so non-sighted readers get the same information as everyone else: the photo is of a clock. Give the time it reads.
10:11
